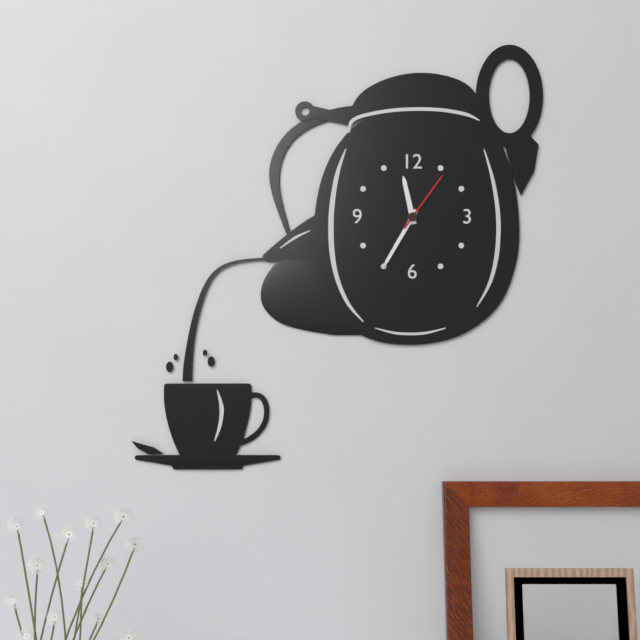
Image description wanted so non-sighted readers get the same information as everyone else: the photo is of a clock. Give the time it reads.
11:35:06
